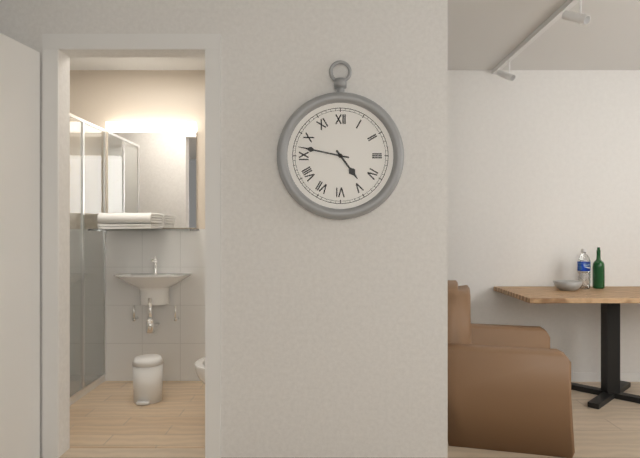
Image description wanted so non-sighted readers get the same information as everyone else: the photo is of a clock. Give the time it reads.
4:47
